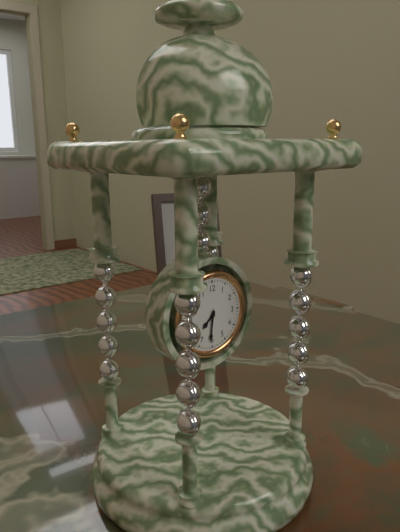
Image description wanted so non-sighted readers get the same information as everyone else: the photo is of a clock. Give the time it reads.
7:31
